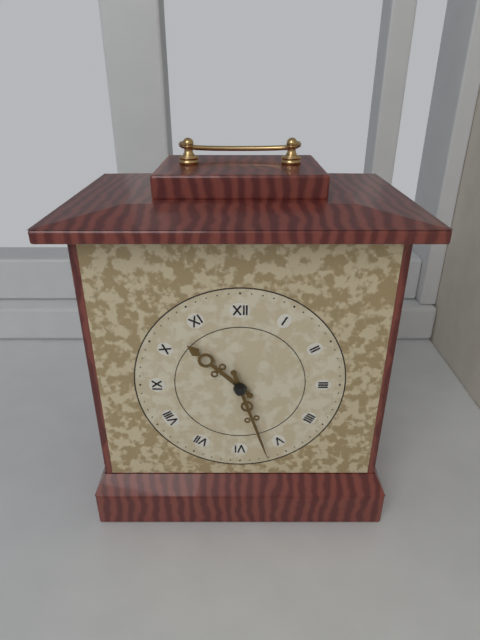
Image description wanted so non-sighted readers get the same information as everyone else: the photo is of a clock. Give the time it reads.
10:27
